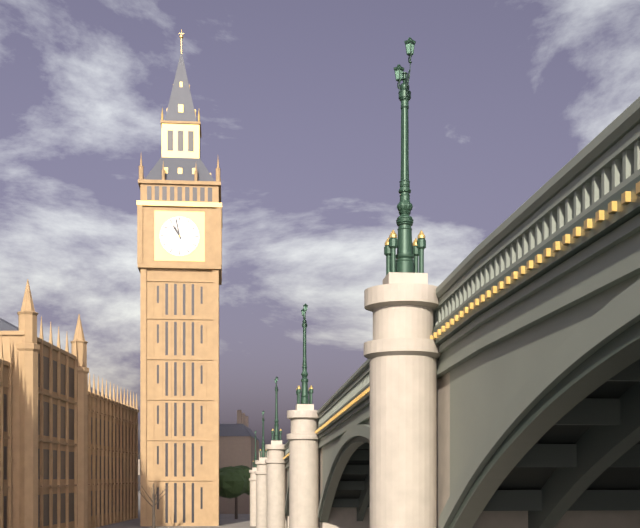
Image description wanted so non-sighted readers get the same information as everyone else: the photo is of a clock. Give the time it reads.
10:58
